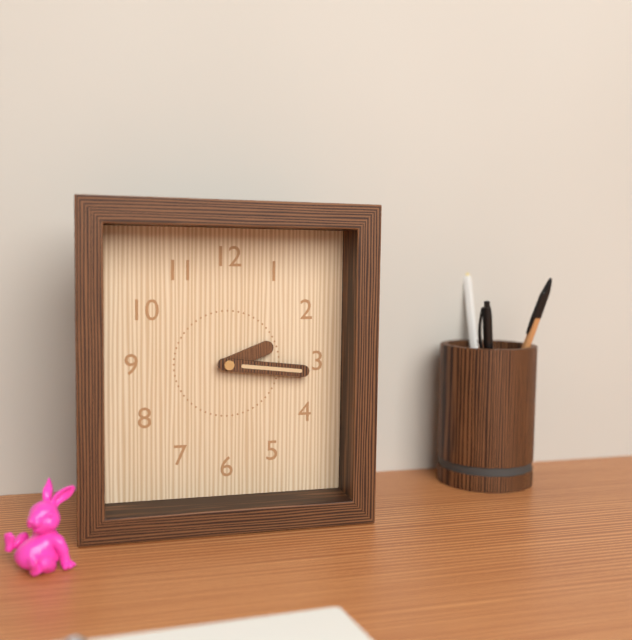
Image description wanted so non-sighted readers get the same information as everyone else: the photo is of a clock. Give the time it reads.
2:16
